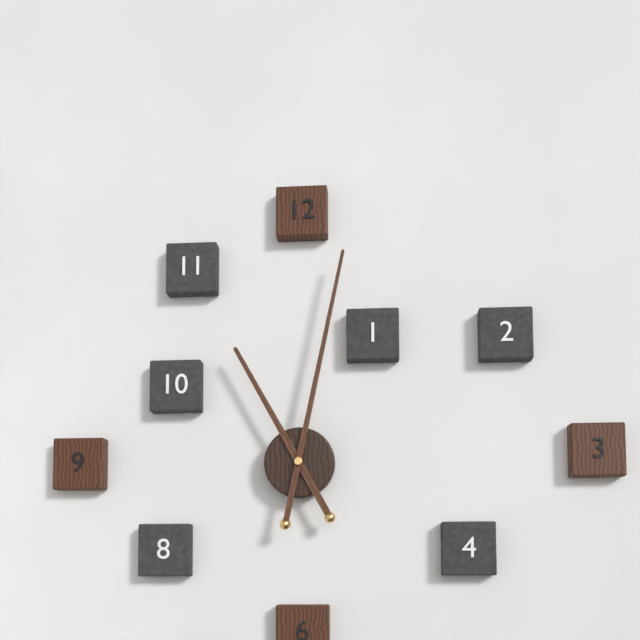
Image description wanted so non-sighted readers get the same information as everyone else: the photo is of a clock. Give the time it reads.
11:02
